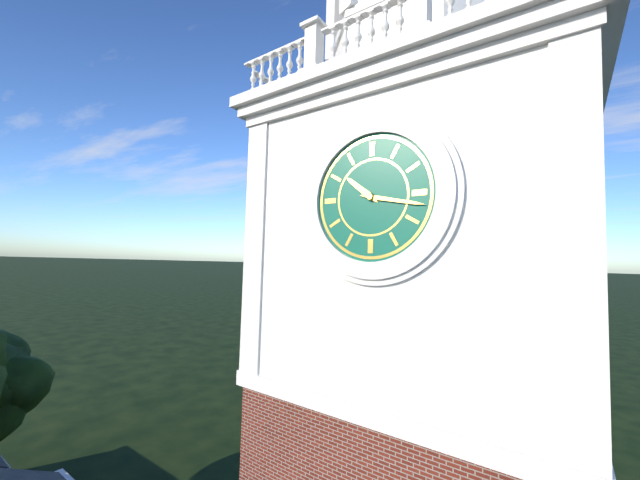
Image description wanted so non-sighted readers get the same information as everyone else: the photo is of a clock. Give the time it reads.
10:17
